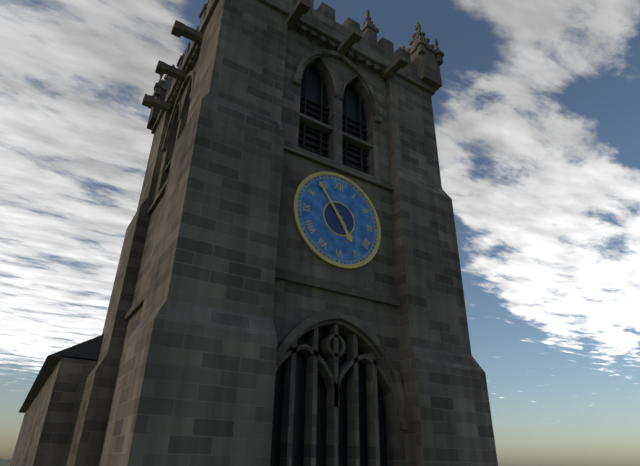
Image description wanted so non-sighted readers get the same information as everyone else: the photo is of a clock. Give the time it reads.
4:54
